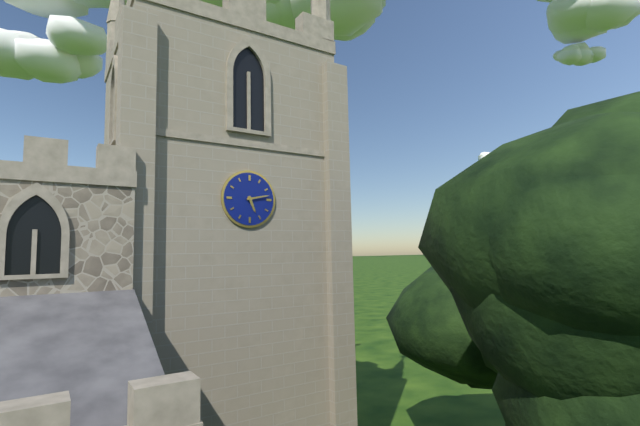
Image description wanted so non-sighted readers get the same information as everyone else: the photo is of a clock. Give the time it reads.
5:13
